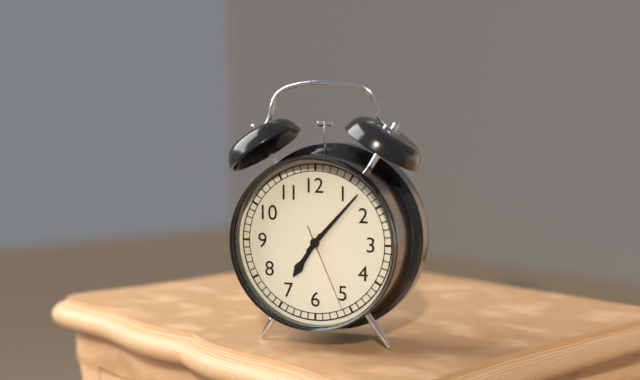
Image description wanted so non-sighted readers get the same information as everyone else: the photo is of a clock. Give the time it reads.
7:07:26
